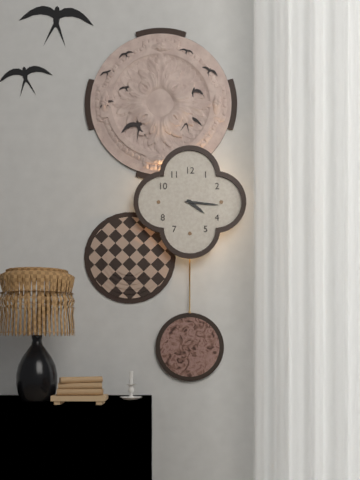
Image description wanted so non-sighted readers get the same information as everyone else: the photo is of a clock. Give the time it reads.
4:16
